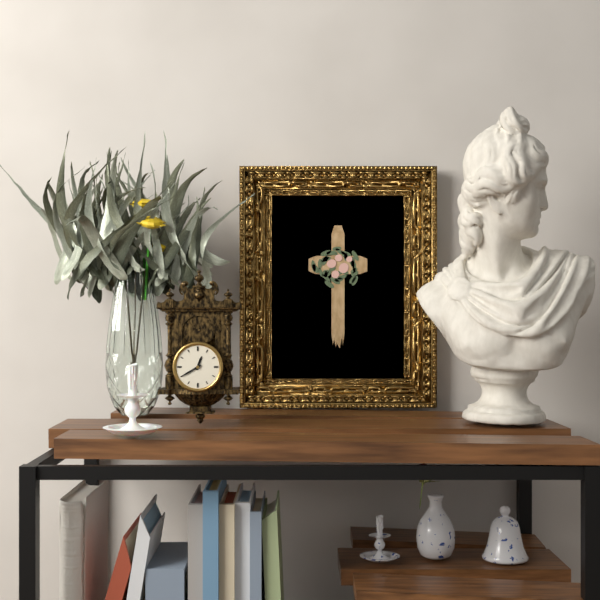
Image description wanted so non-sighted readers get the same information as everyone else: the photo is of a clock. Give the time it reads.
12:40
